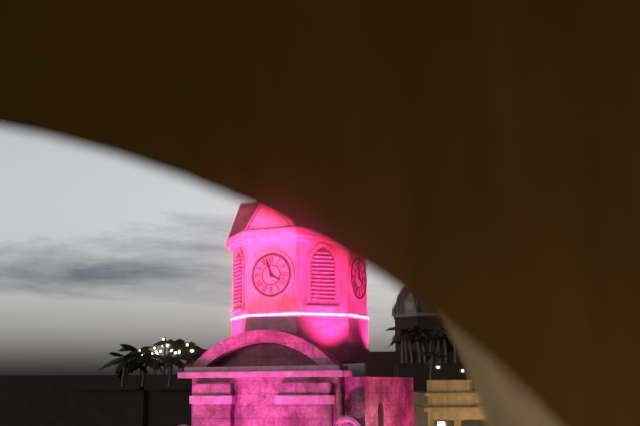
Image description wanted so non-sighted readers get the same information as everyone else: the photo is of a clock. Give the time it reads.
3:57
